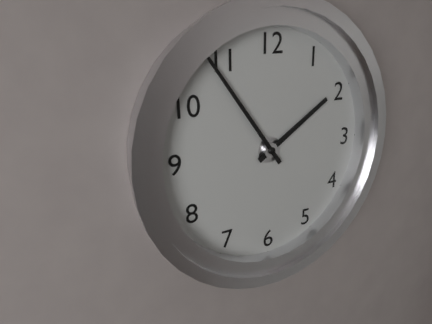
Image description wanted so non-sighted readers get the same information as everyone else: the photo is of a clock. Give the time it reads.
1:54
